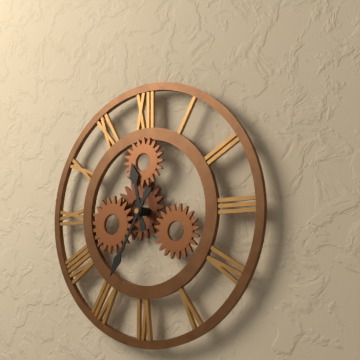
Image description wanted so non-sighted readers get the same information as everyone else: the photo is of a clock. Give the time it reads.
11:35
